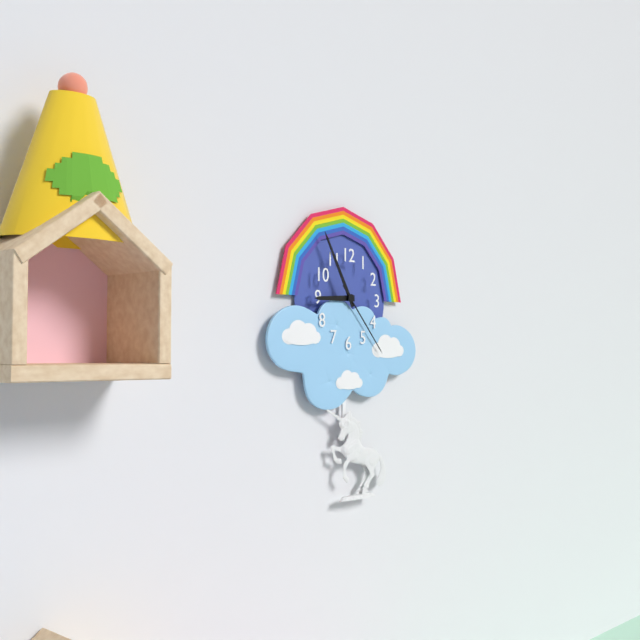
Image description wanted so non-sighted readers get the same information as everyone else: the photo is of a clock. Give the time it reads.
8:55:23
